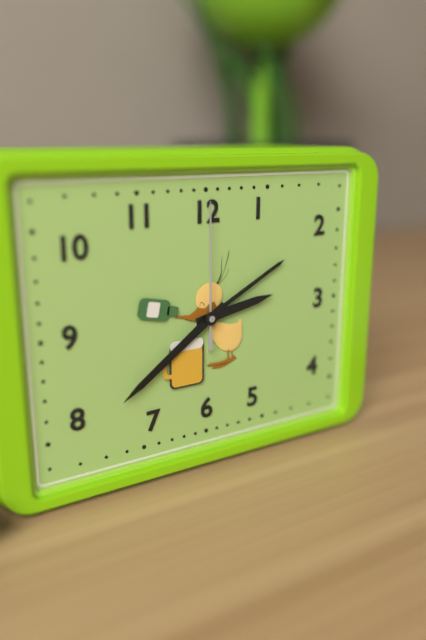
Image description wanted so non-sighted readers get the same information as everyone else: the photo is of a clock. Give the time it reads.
2:39:00
